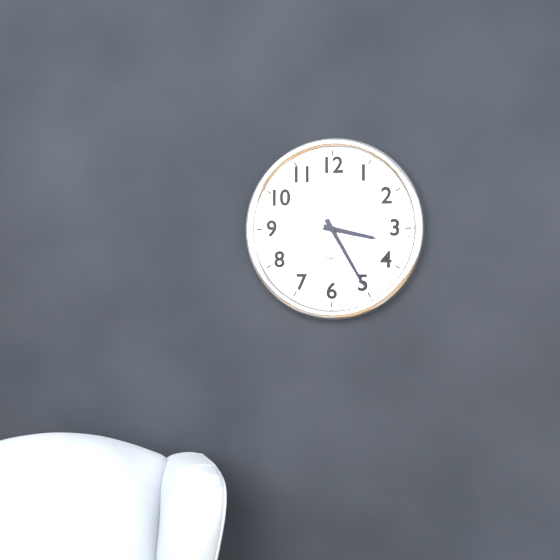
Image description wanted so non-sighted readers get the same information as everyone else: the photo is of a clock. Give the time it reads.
3:25
